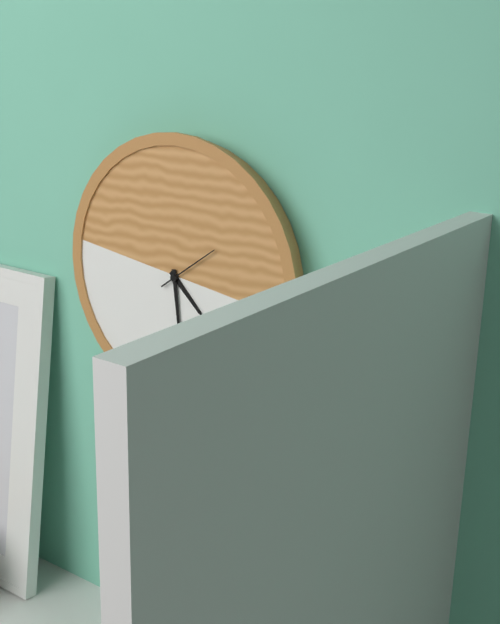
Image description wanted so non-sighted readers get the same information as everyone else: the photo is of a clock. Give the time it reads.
4:29:09
